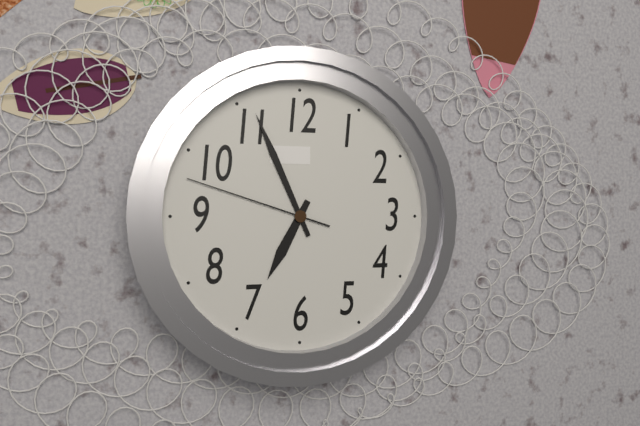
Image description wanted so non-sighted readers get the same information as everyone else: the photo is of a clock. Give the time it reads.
6:56:48
